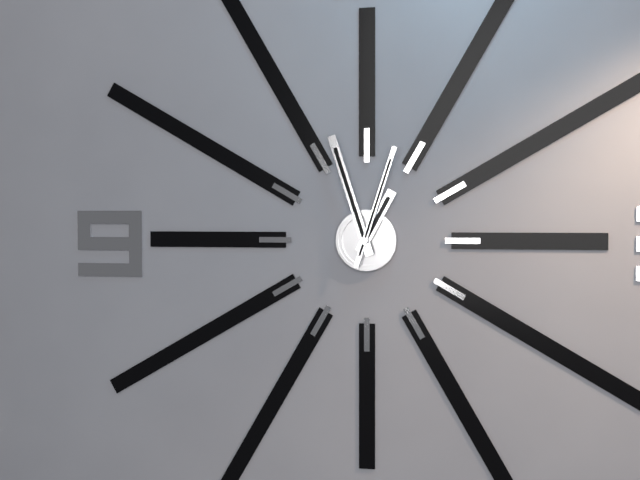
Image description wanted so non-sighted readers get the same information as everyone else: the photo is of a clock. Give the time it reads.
12:57:03
